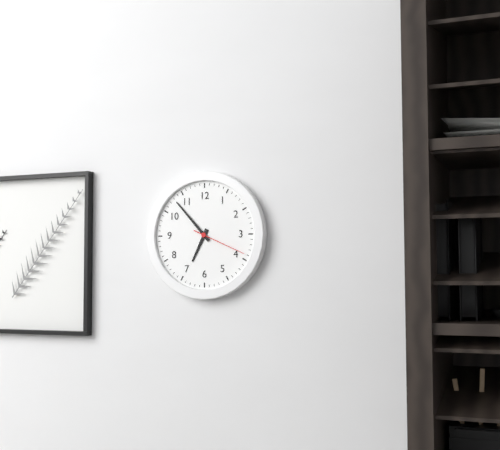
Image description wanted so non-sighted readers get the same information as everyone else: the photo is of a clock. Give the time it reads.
6:53:19
